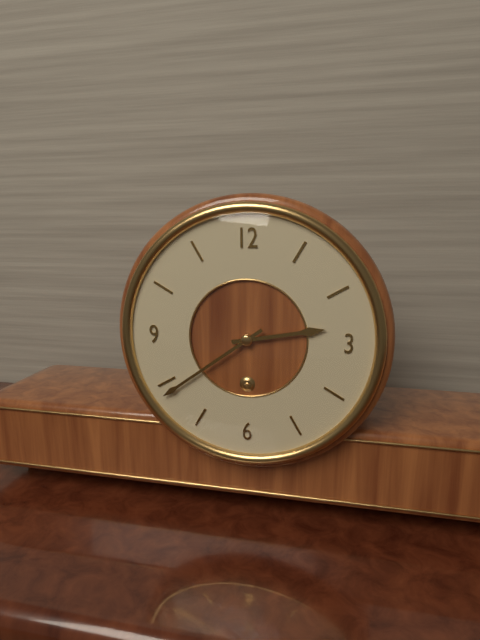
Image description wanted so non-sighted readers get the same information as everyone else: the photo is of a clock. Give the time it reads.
2:39
